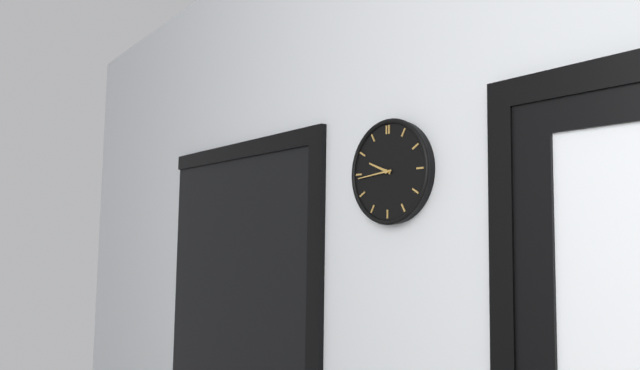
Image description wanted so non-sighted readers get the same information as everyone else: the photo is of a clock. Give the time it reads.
9:44
